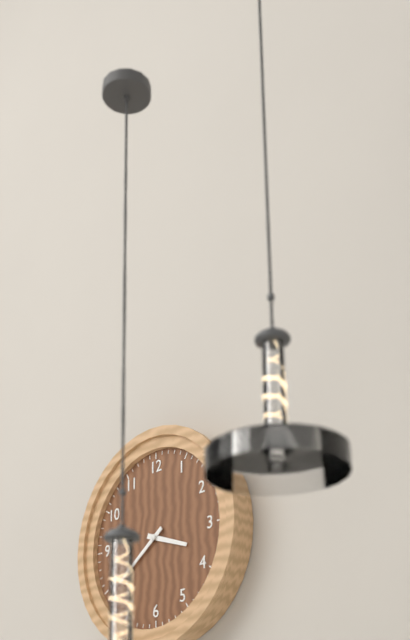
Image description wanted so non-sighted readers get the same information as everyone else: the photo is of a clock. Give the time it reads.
3:39
